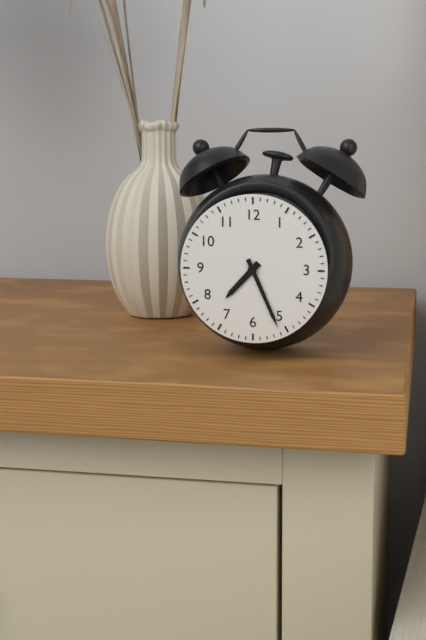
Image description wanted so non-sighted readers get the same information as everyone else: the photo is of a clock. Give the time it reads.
7:26
